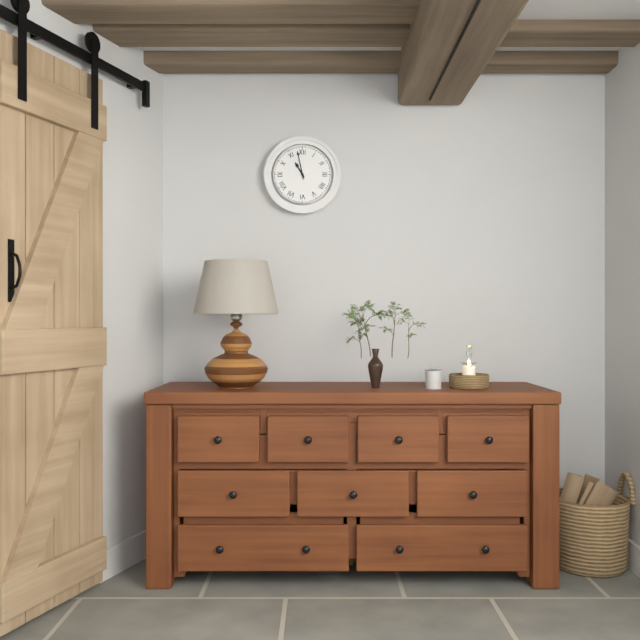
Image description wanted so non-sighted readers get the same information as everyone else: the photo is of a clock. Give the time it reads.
10:58
